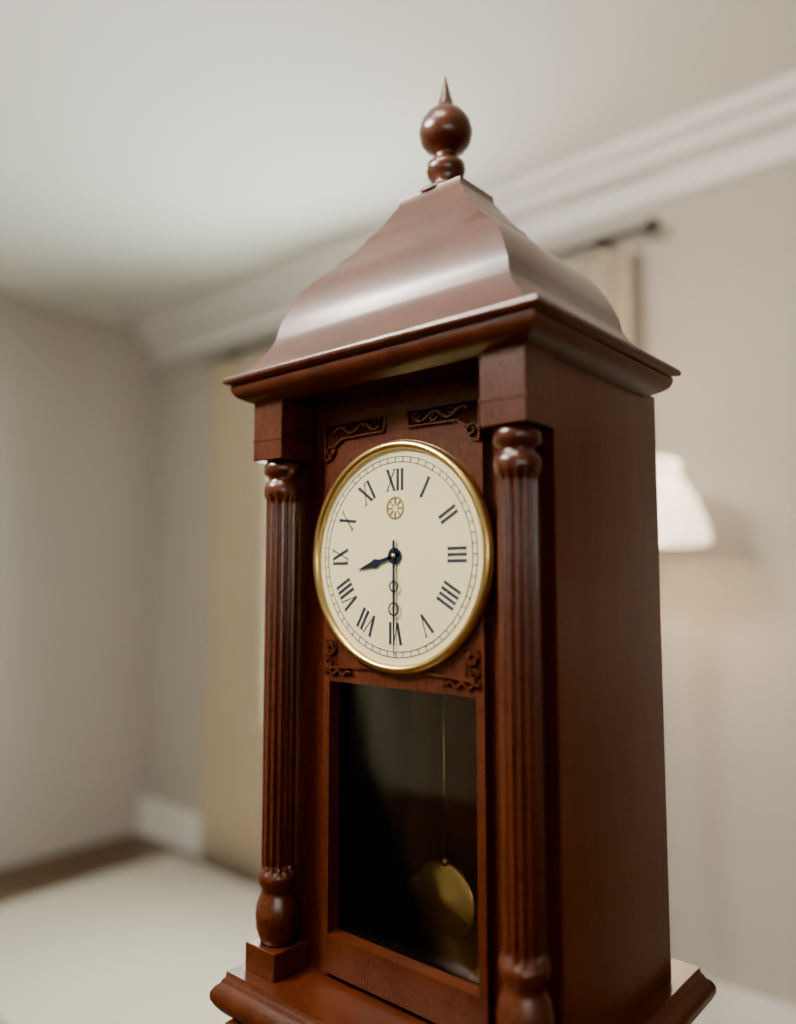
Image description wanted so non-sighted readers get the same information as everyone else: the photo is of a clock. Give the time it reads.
8:30
